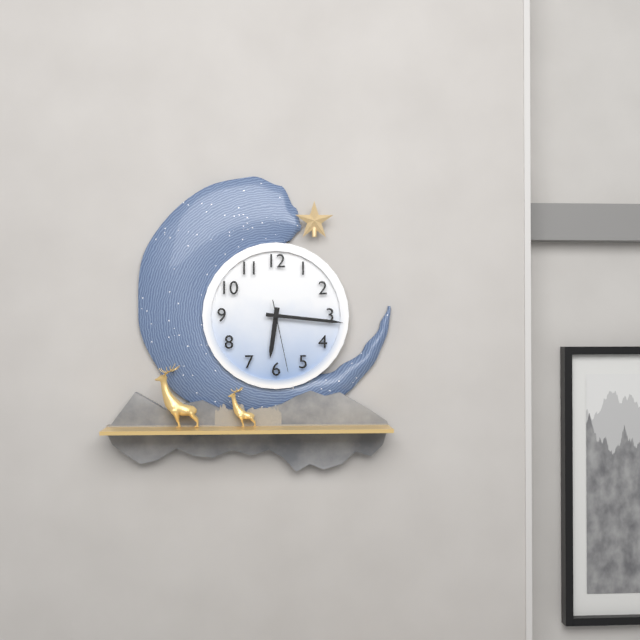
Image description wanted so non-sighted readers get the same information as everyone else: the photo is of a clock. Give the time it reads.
6:16:28
